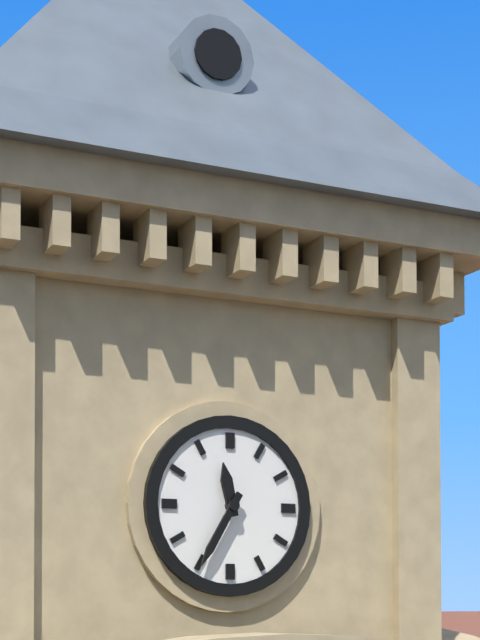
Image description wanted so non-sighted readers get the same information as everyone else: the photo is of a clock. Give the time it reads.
11:35
